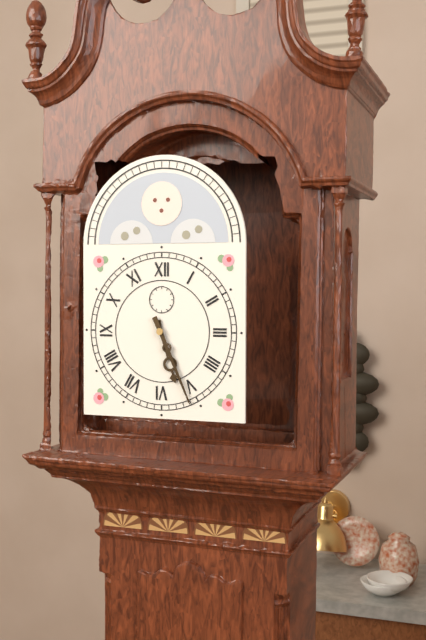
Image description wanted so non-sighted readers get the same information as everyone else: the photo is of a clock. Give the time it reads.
5:26
